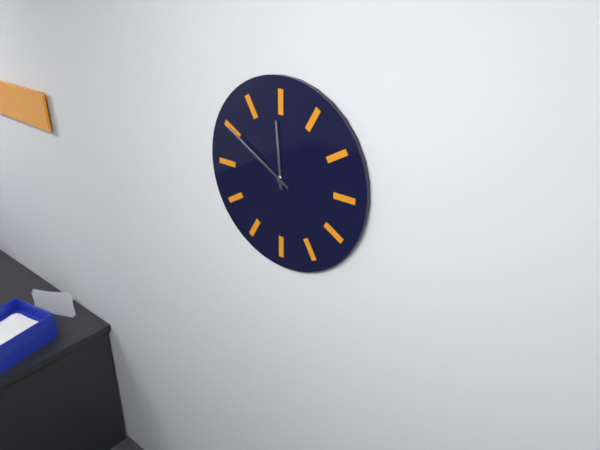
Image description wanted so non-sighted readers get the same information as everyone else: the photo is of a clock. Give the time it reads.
11:50
